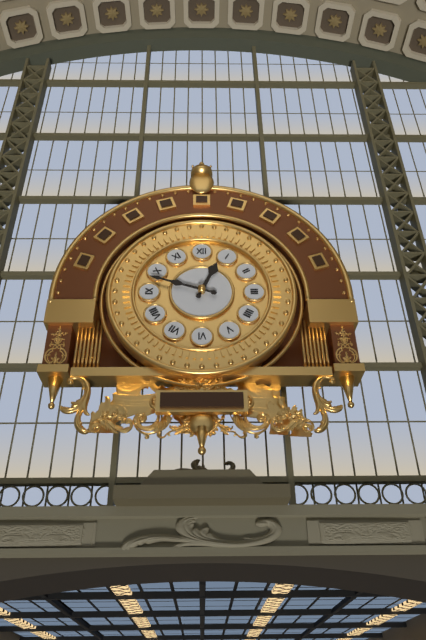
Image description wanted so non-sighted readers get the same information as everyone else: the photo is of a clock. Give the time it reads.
12:48
